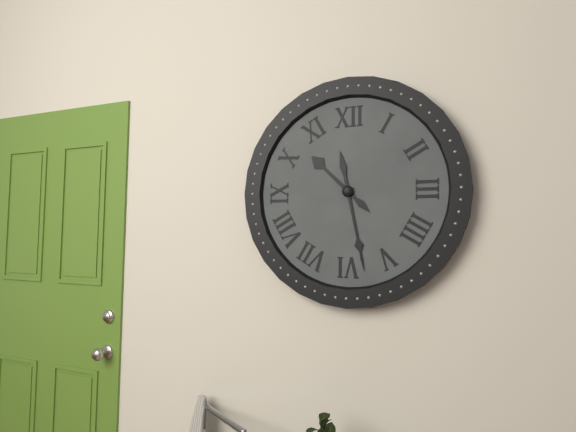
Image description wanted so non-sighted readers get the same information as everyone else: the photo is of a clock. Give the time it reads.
10:28
